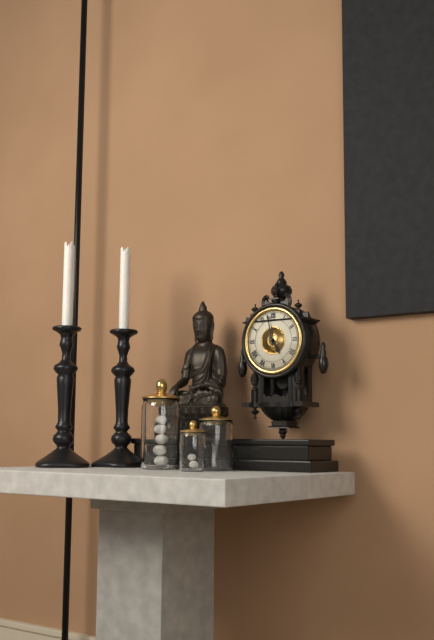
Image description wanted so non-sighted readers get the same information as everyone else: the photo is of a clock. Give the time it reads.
4:58
